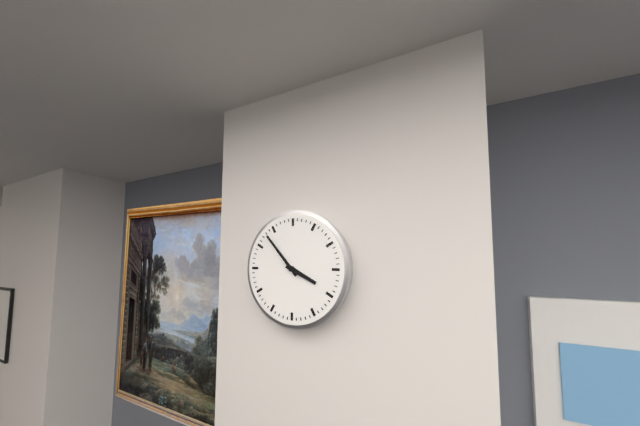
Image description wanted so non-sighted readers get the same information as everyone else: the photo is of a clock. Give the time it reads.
3:53
